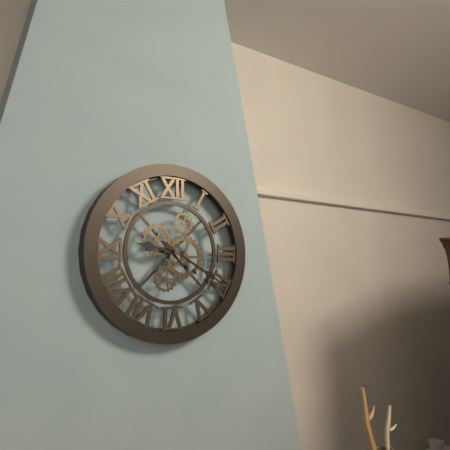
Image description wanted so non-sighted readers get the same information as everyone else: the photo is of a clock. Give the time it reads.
9:20
